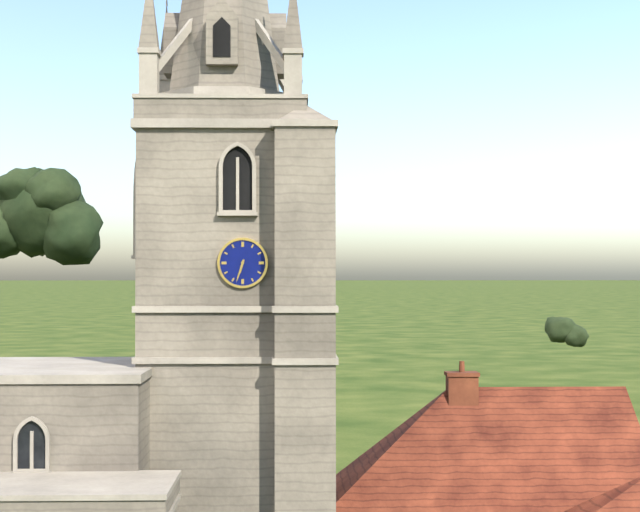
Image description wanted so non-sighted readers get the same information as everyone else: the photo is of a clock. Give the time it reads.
6:33
